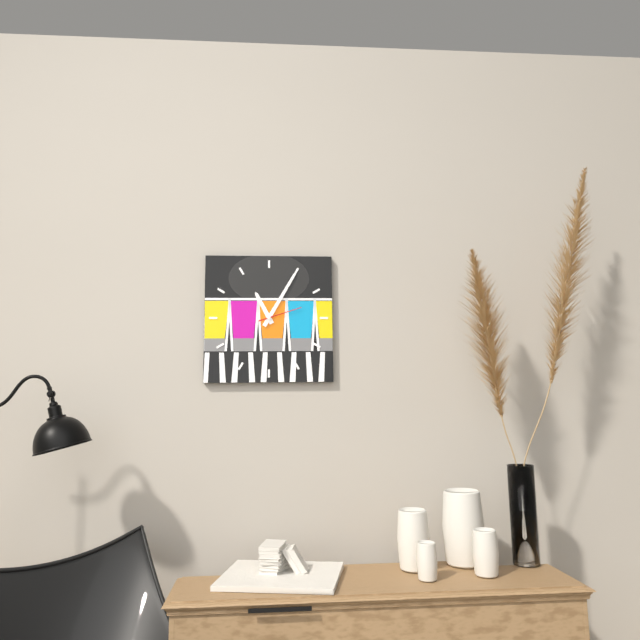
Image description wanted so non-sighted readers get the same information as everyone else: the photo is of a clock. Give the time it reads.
11:05
